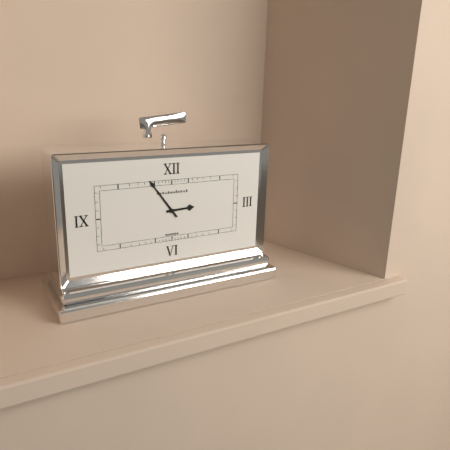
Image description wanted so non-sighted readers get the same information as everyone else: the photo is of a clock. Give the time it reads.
2:54
